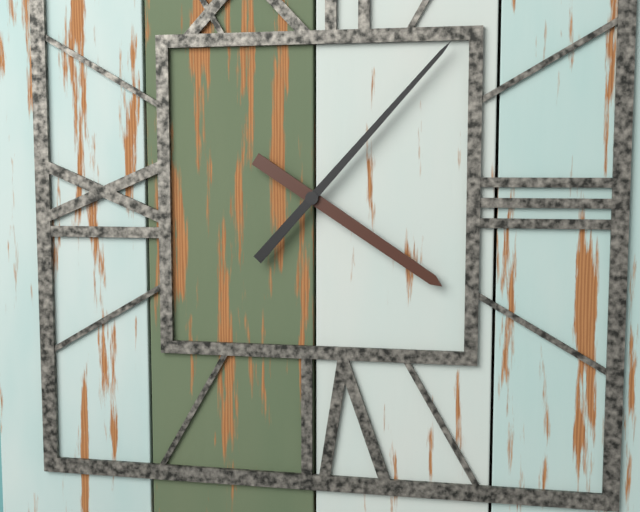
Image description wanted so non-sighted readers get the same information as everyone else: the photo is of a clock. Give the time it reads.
4:07
